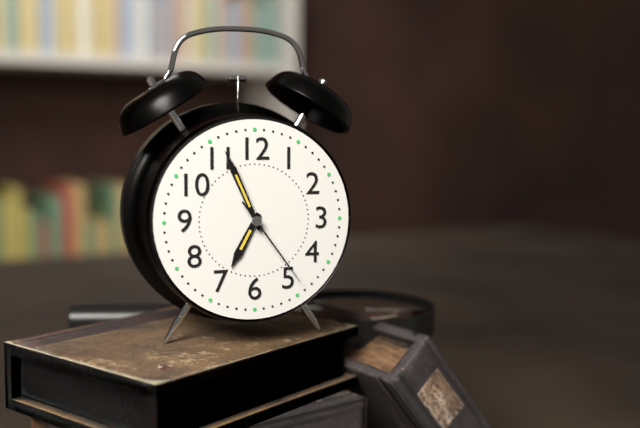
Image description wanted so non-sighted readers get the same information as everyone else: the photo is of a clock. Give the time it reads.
6:56:24
